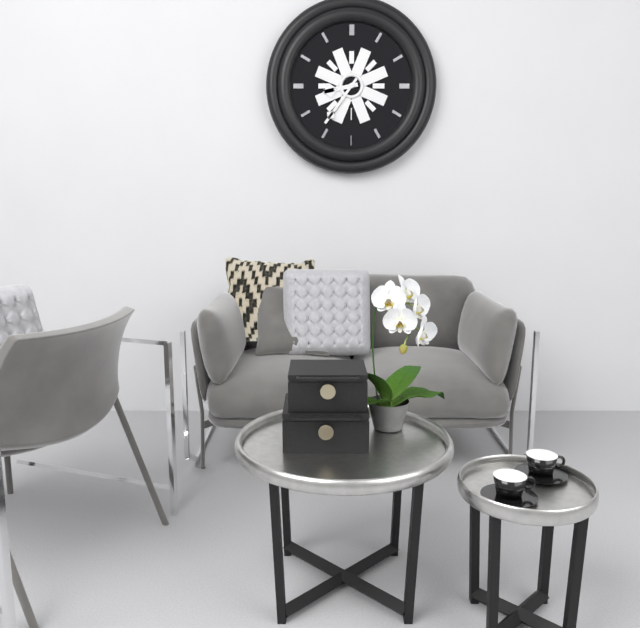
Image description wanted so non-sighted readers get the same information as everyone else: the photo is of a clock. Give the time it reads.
8:36
